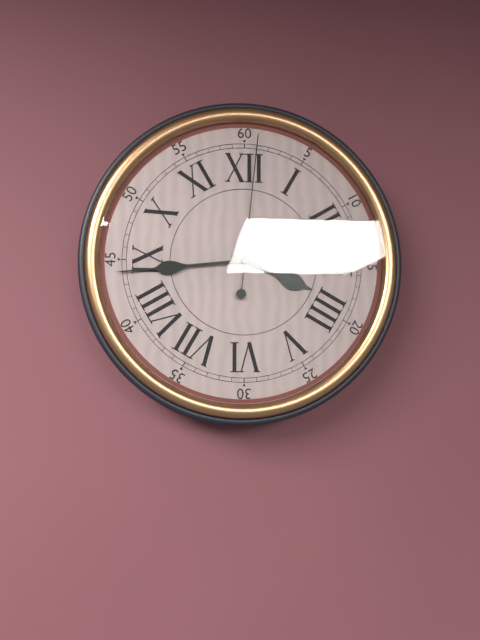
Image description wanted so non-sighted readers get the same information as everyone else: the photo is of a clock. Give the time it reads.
3:44:01
